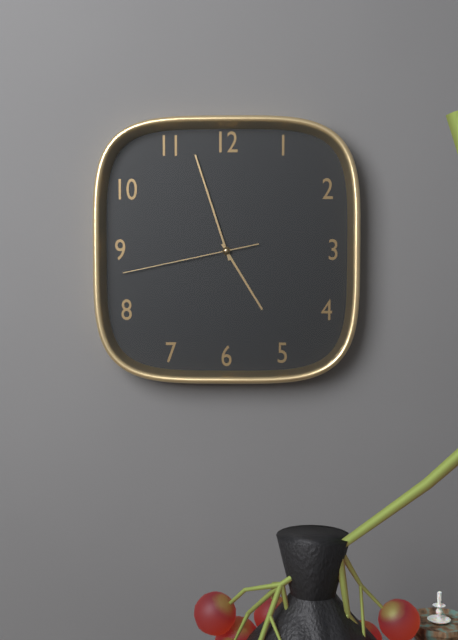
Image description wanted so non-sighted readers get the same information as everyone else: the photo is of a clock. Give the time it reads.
4:57:43
